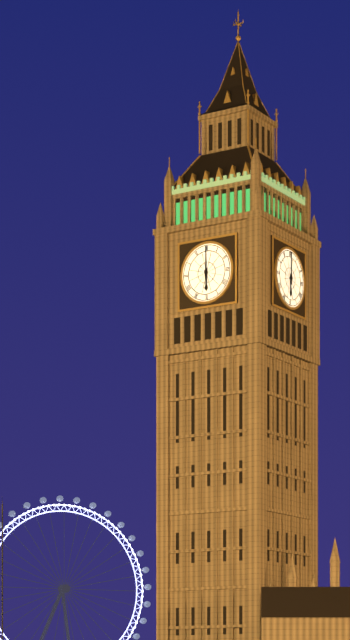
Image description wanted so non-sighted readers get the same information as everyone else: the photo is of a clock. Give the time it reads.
6:00
